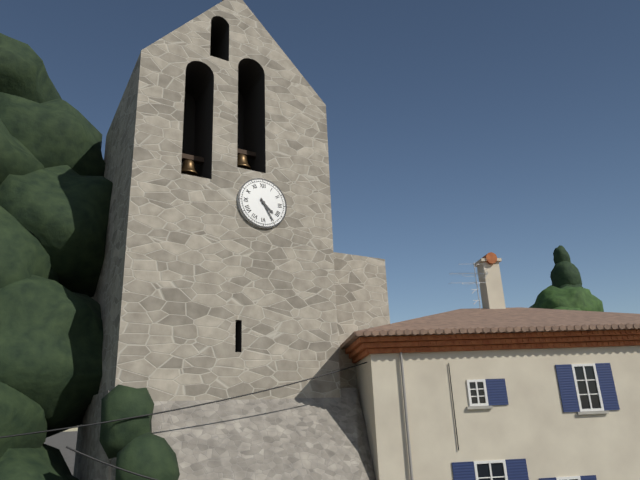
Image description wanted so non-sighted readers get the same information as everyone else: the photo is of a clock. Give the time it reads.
4:25
